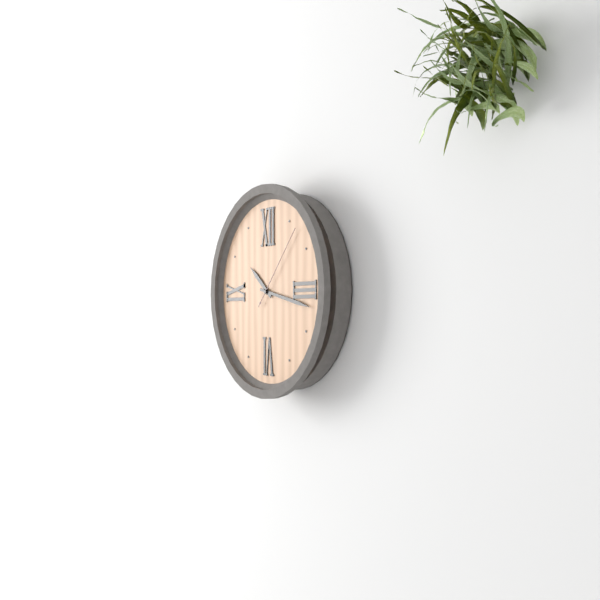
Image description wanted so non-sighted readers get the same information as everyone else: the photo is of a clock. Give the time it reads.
10:17:07
